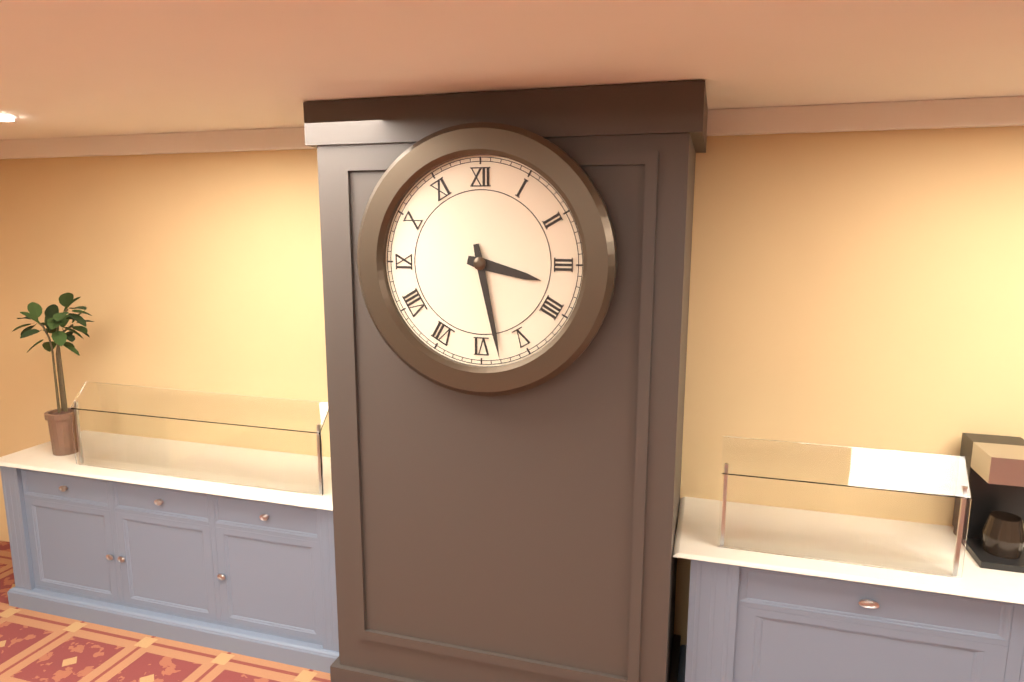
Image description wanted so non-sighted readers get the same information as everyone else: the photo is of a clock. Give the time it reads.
3:28
